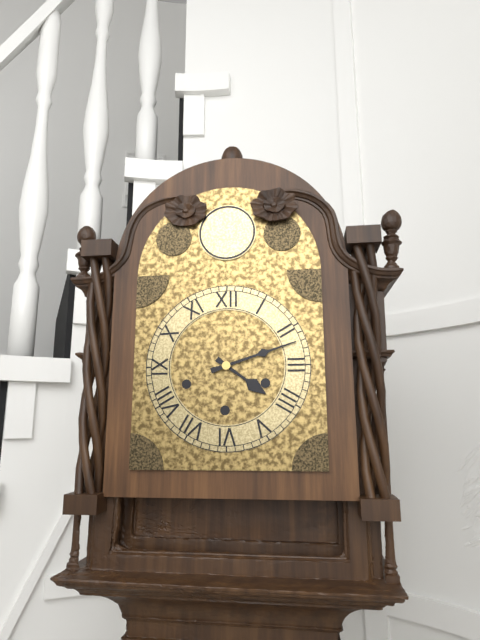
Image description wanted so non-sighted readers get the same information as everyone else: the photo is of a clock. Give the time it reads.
4:12
